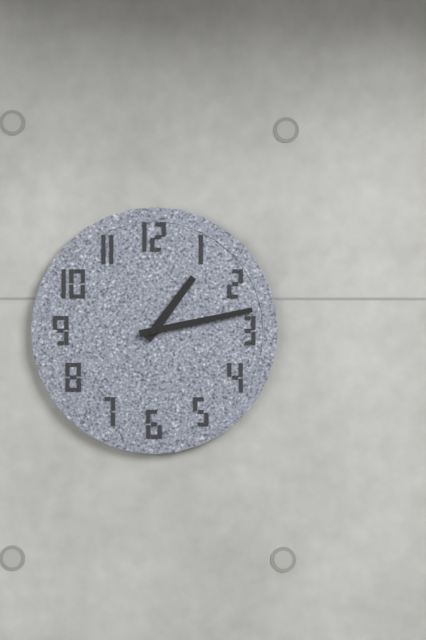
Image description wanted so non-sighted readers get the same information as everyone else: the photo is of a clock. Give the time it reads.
1:13
